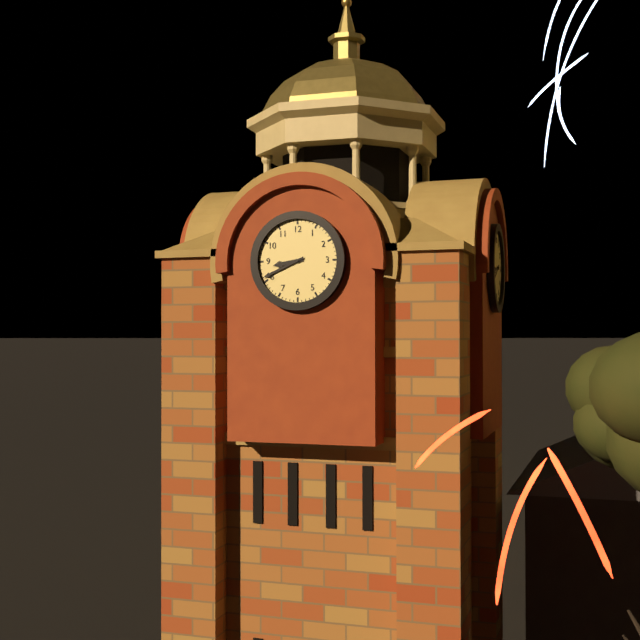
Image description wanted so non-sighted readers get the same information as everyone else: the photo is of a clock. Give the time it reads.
8:41
